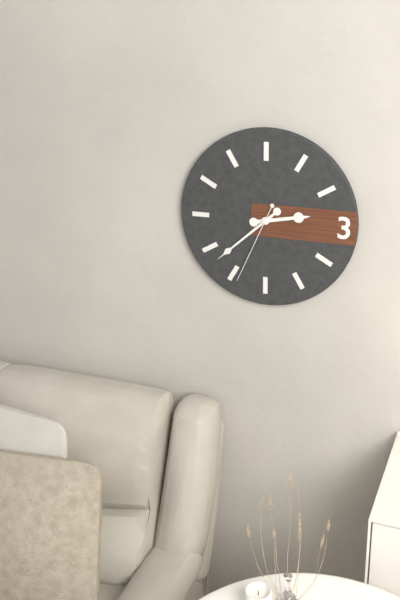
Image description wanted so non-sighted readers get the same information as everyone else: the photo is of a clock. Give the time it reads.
2:38:34
